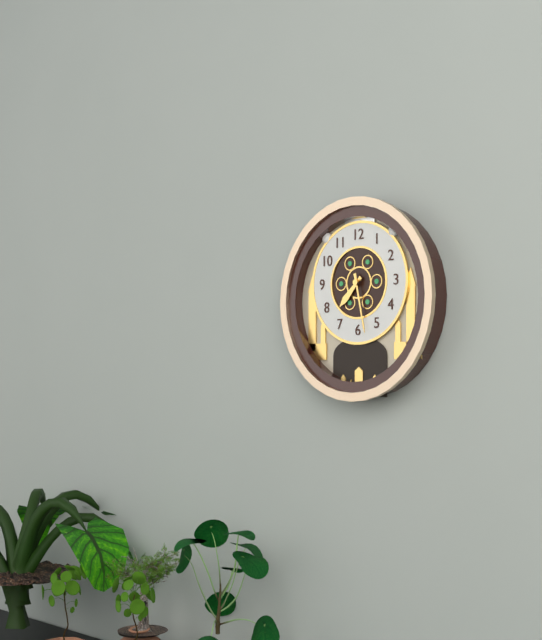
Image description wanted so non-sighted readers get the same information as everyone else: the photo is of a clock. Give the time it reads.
7:28
